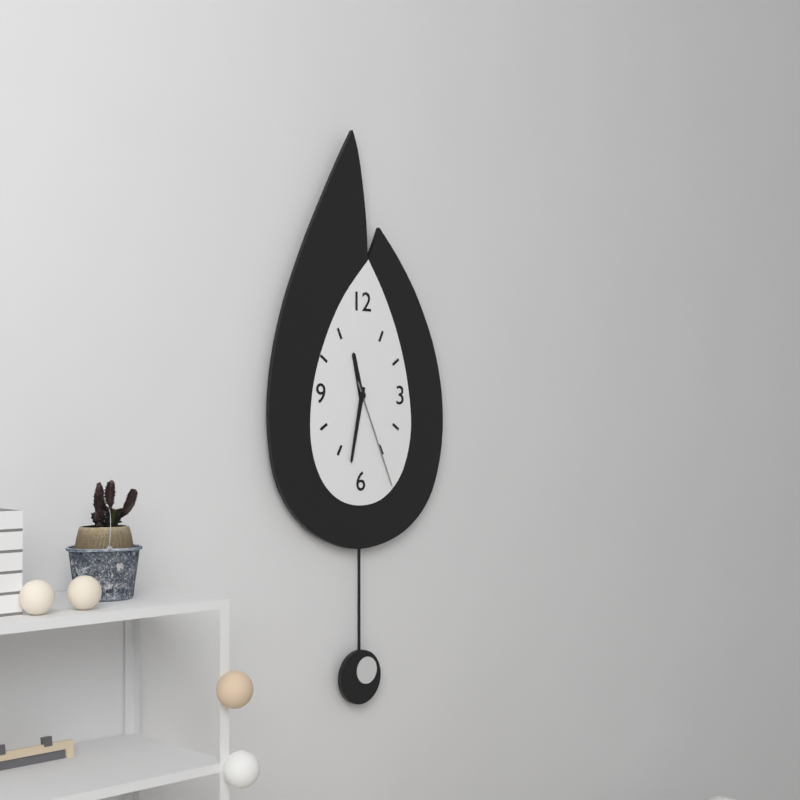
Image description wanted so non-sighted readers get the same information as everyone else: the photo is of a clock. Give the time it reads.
11:32:26
